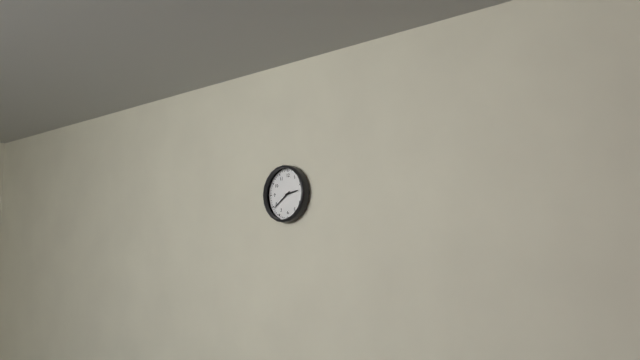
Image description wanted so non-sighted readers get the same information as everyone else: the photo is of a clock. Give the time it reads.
2:39
